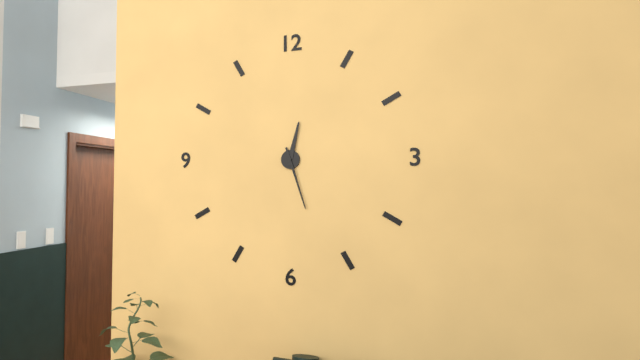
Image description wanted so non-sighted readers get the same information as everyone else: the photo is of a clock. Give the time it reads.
12:27
